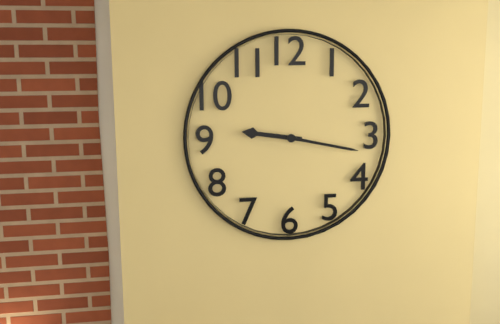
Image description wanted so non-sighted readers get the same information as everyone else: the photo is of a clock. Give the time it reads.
9:17
